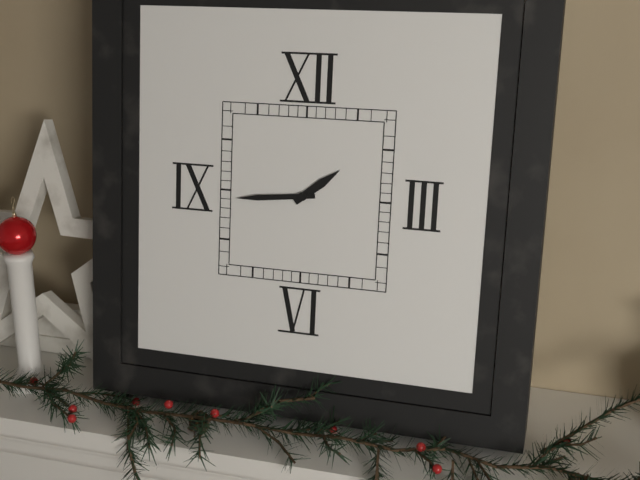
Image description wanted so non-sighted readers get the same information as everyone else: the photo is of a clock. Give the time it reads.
1:44
